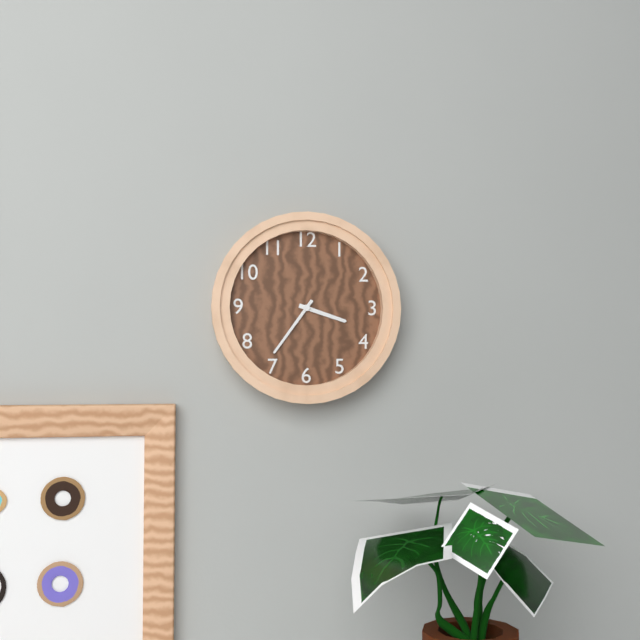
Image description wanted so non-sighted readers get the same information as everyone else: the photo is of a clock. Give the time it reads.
3:36
